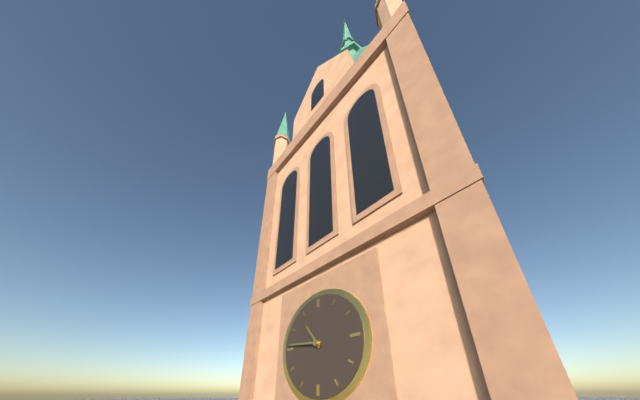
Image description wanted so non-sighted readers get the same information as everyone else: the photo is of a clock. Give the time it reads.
10:46
